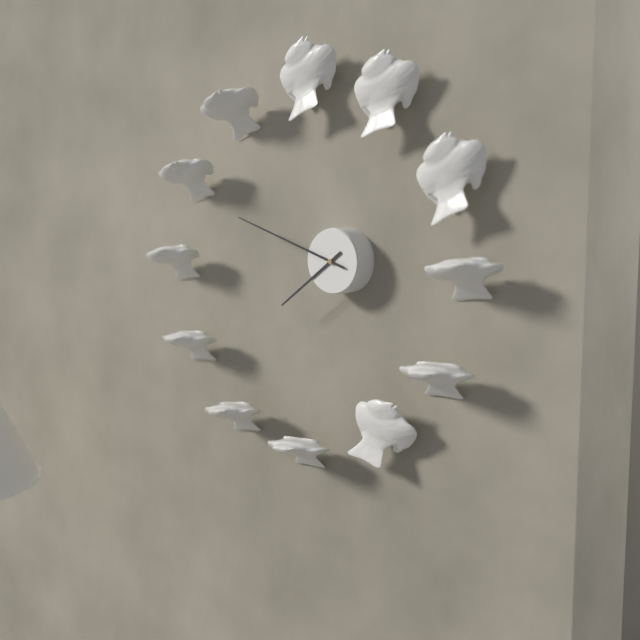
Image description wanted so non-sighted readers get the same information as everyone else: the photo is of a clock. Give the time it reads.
7:48
